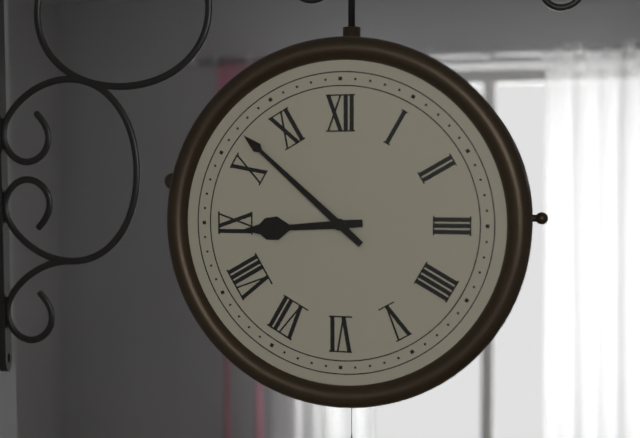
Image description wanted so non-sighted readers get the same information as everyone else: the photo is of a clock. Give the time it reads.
8:52
